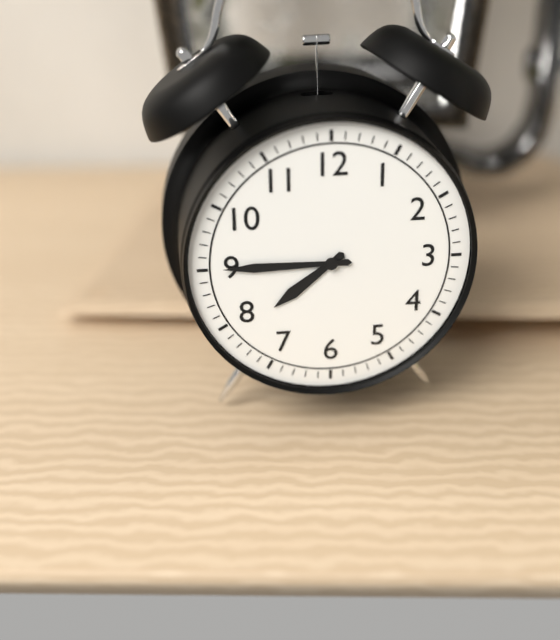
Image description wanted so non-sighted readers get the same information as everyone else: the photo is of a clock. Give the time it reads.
7:45
